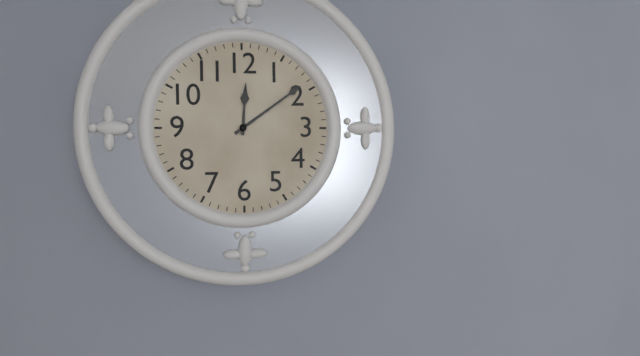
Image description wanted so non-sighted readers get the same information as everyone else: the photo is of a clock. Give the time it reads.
12:09
